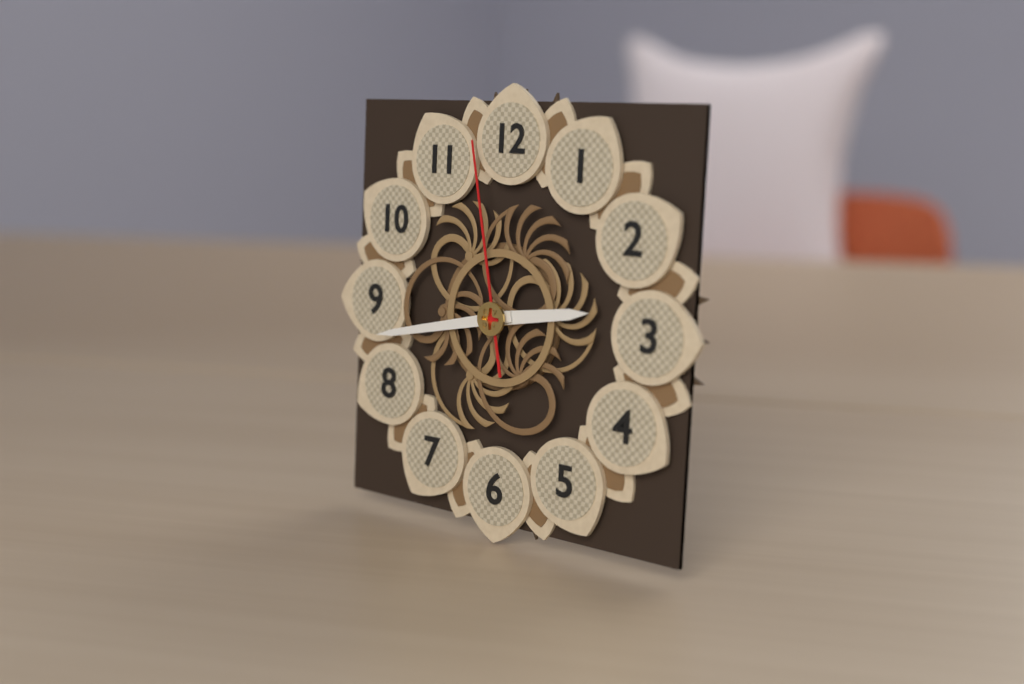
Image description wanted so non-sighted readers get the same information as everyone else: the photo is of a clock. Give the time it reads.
2:43:58
